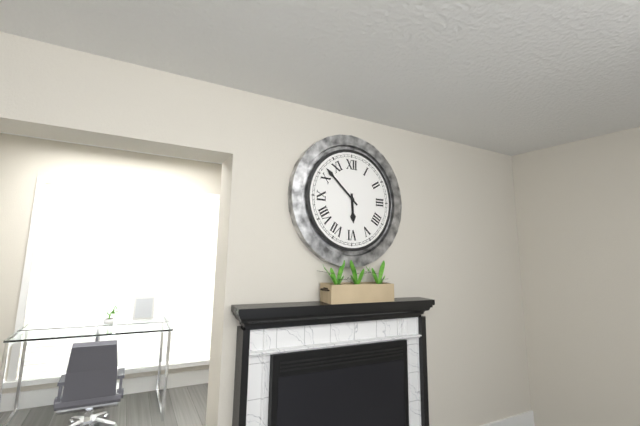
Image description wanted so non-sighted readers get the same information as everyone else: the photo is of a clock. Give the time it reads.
5:52
